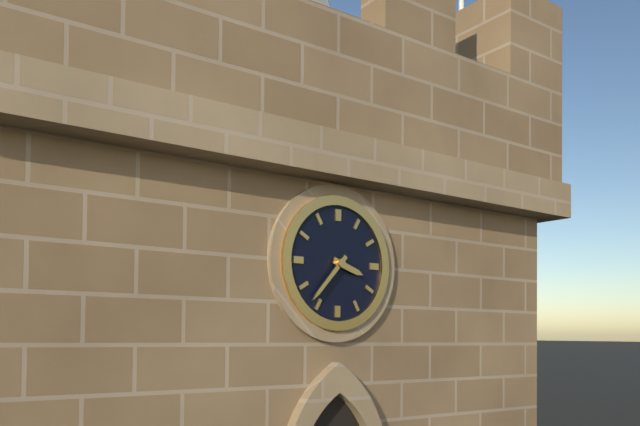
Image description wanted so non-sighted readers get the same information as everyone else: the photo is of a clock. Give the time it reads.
3:37
